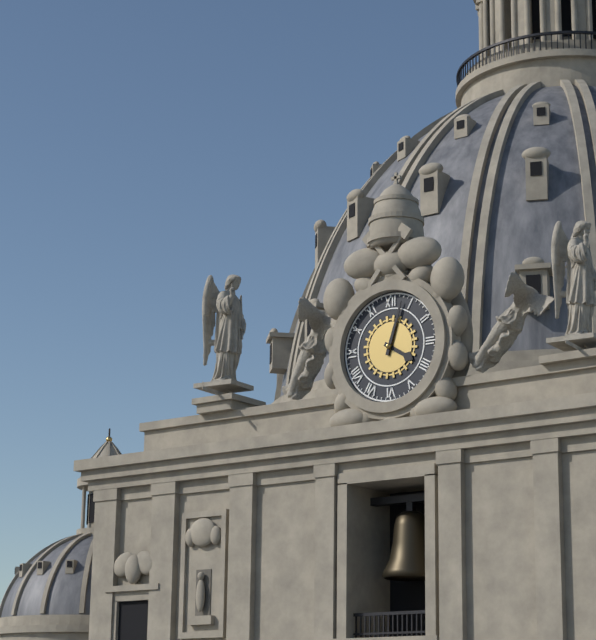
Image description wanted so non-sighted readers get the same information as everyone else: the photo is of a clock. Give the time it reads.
4:03
